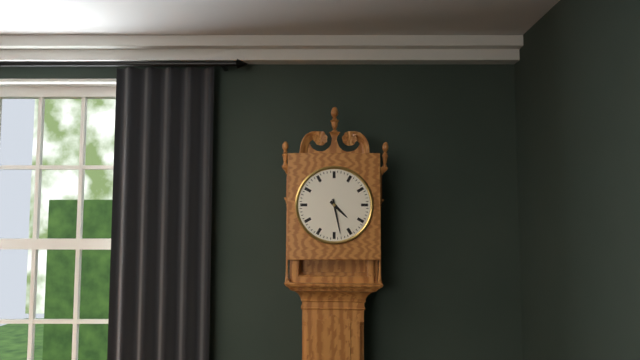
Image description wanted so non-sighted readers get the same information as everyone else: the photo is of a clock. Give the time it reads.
4:28
